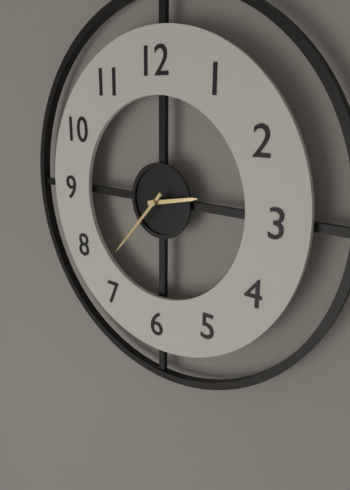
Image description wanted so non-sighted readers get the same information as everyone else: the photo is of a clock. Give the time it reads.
2:37
